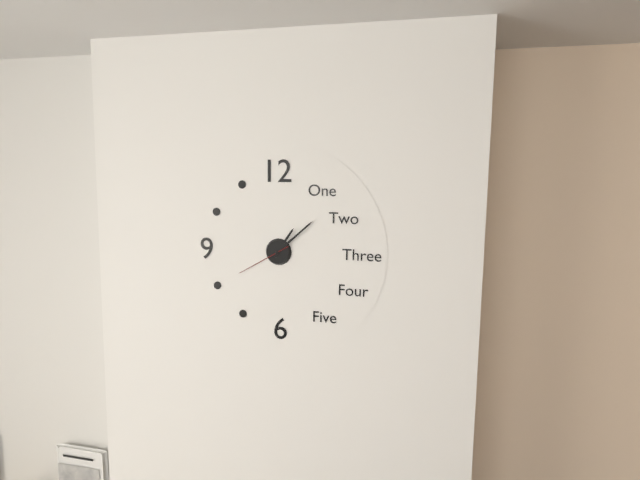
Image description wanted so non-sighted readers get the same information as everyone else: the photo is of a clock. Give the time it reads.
1:08:40
